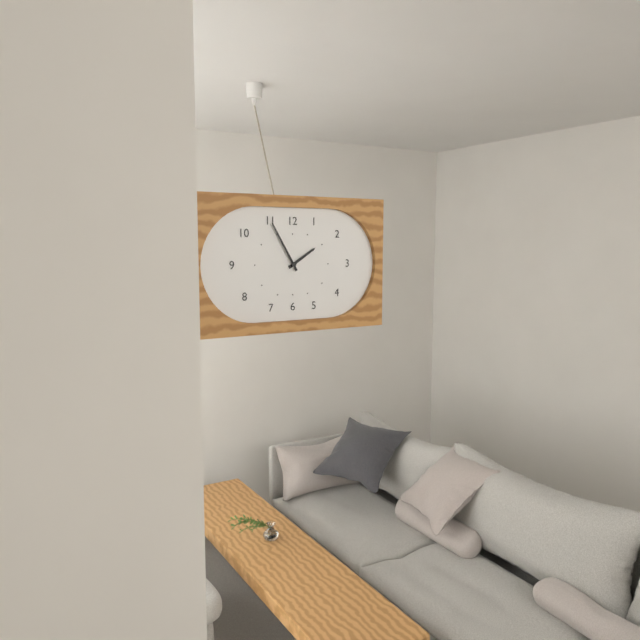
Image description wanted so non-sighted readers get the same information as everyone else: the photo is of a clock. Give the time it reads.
1:55
